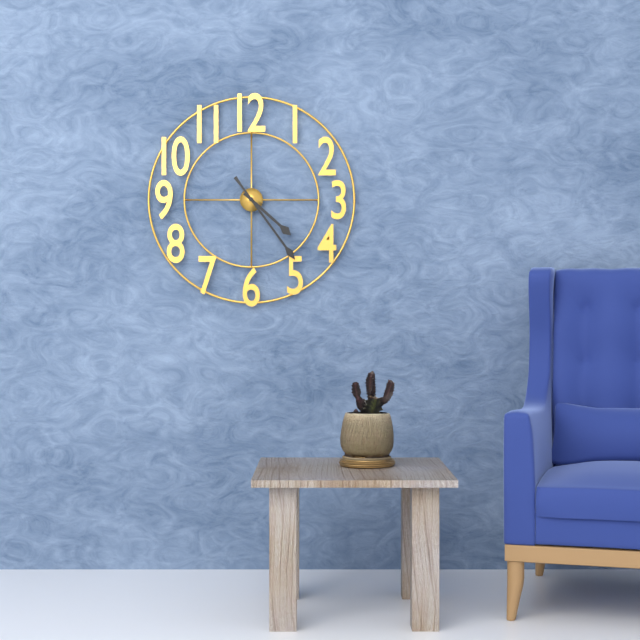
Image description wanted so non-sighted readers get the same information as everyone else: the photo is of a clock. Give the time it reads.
4:24
